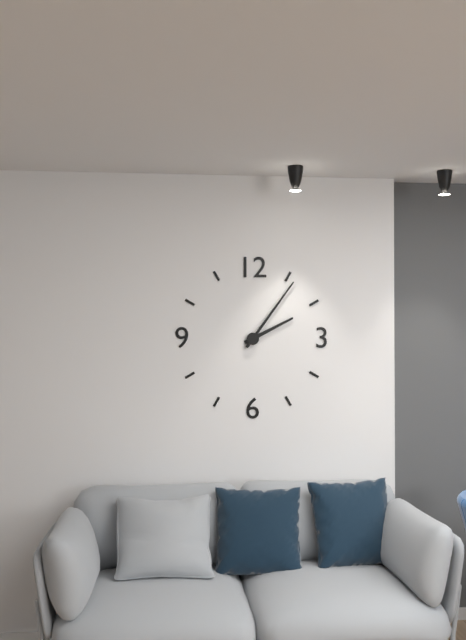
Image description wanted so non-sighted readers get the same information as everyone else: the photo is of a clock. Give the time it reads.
2:06
